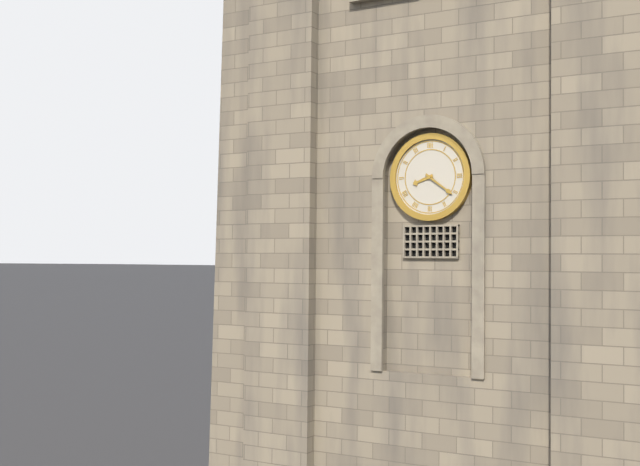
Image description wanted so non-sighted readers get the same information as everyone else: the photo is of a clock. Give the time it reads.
8:21
